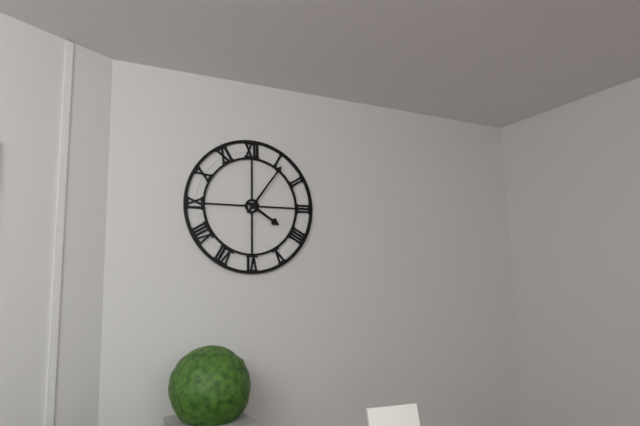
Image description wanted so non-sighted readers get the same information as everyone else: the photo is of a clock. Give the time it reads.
4:06
